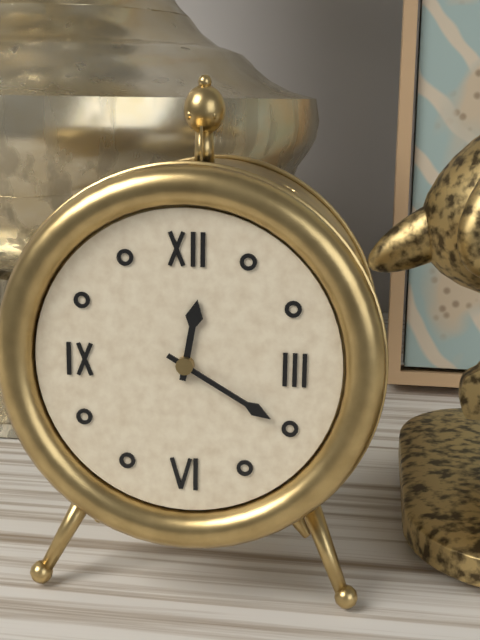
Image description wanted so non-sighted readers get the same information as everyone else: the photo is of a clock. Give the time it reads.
12:20
